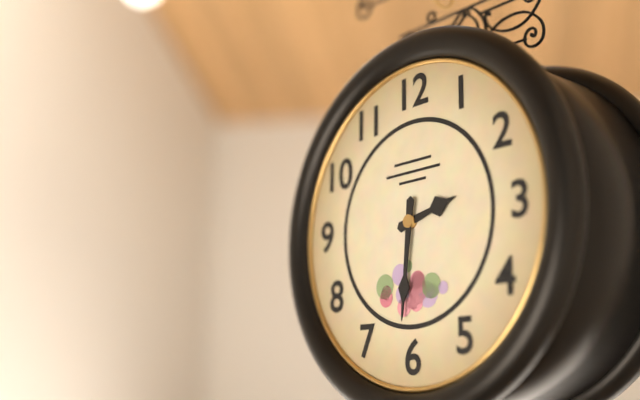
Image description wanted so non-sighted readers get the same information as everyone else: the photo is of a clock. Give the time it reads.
2:31
